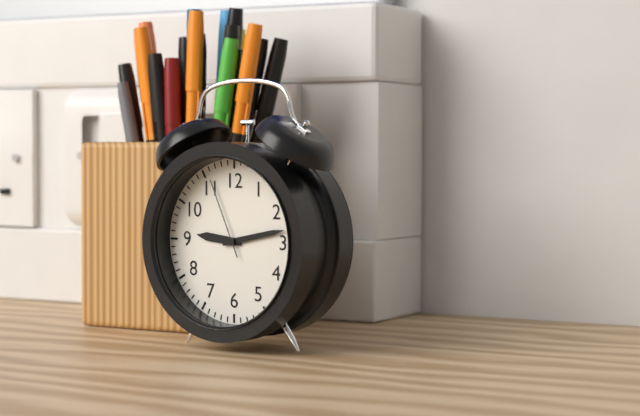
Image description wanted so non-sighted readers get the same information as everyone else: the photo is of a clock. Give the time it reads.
9:13:56
